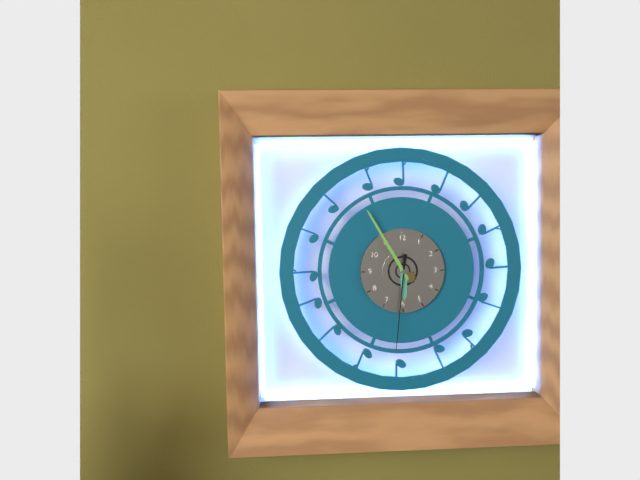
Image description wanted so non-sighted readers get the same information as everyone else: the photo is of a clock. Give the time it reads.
5:55:31
